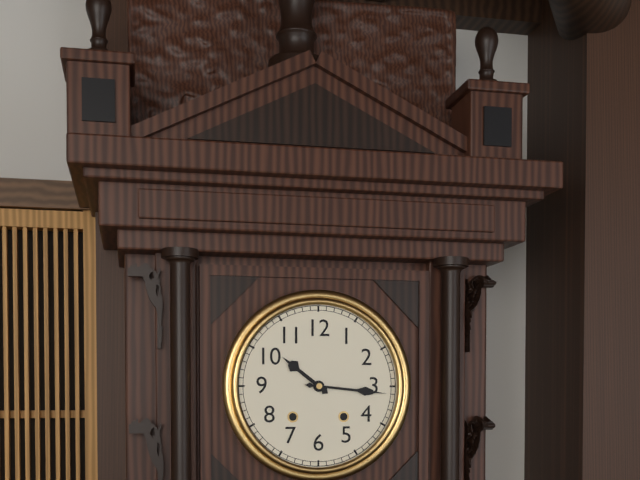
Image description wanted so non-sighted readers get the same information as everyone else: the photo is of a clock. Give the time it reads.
10:16
